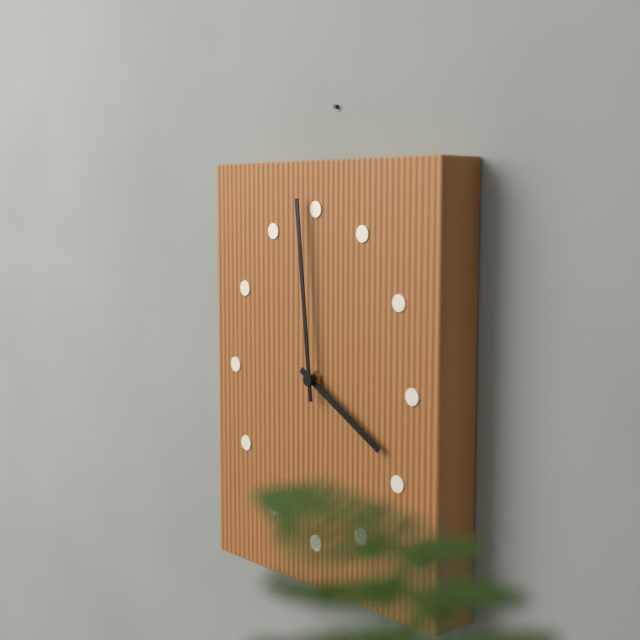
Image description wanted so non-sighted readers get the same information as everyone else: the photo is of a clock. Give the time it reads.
3:59
